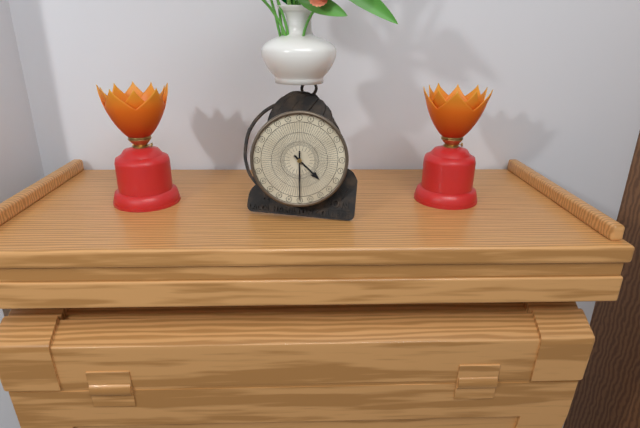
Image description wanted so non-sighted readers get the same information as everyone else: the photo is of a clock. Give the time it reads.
4:30
